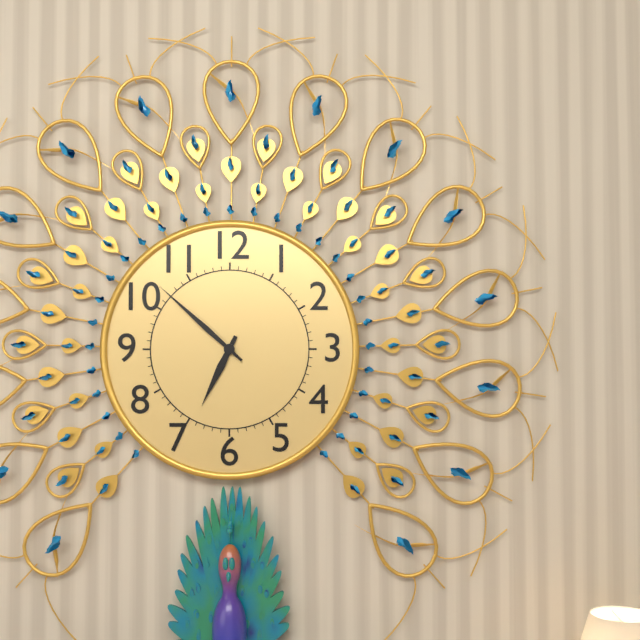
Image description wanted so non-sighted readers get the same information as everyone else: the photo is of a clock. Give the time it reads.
6:52
